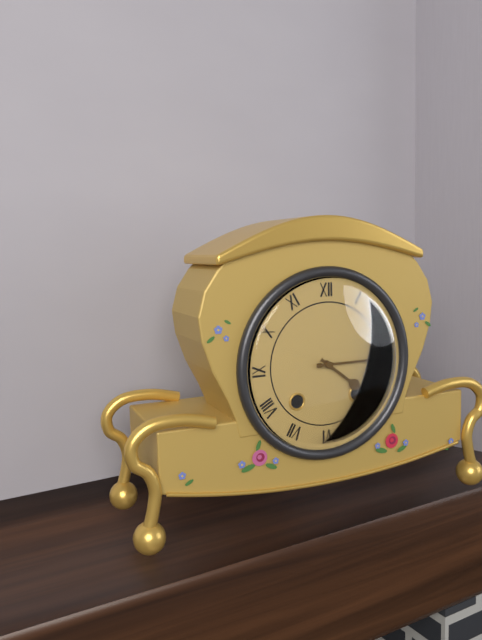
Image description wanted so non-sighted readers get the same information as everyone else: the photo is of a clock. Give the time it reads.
4:15
